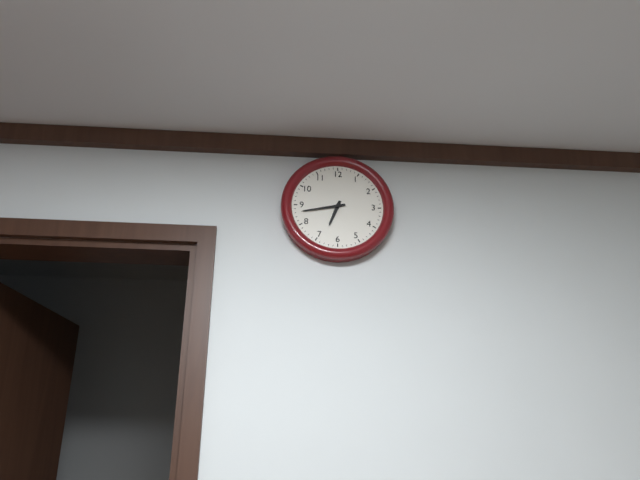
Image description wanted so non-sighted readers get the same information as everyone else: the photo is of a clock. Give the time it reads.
6:43
